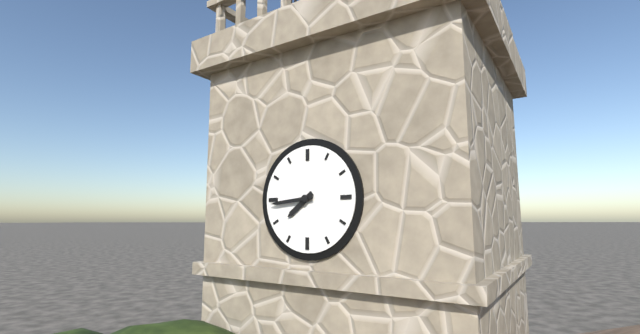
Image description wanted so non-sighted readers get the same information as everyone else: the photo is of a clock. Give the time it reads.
7:44
